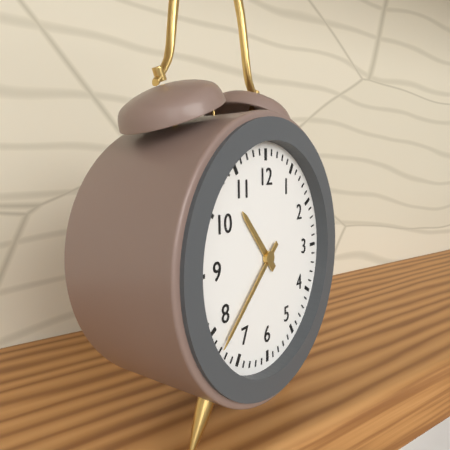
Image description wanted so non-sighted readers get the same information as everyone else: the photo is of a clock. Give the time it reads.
10:38
